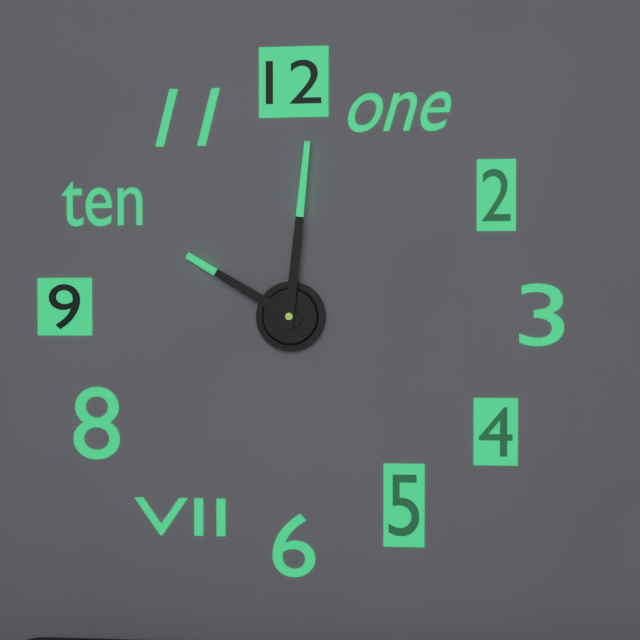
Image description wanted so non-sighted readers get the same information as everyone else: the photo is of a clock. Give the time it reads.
10:01
